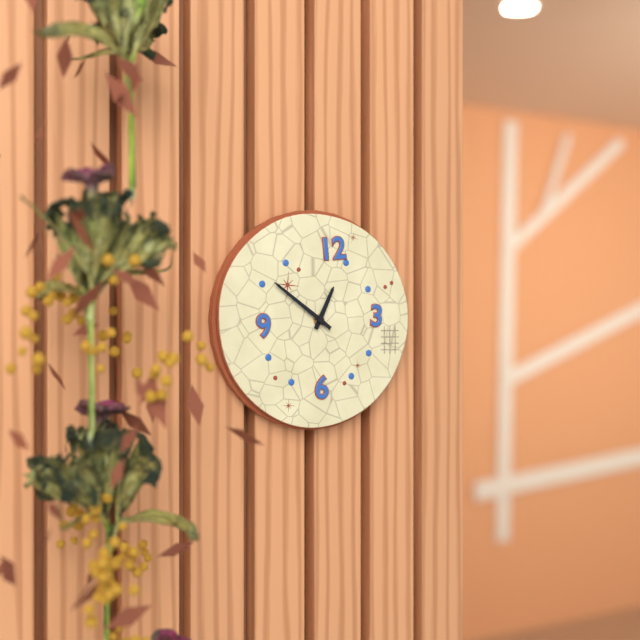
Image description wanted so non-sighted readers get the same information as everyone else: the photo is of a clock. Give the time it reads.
12:51
